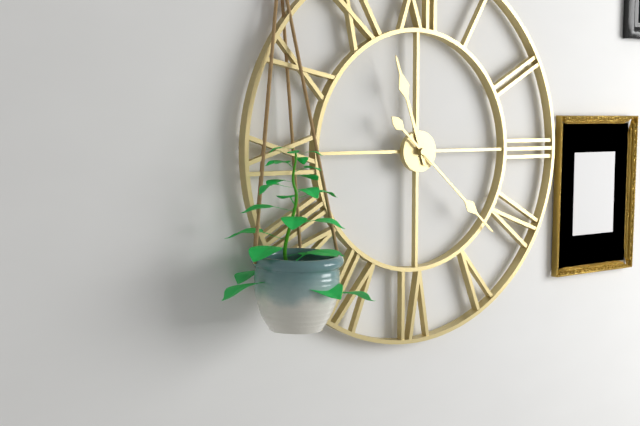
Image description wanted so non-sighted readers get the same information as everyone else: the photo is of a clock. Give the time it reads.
11:22
